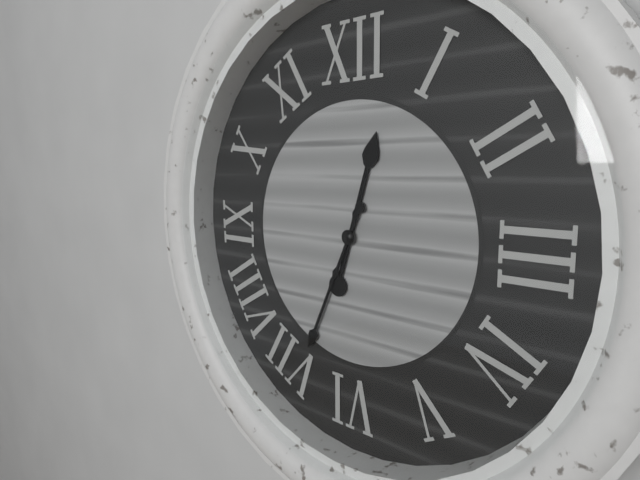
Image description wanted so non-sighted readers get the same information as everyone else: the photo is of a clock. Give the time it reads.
12:34
